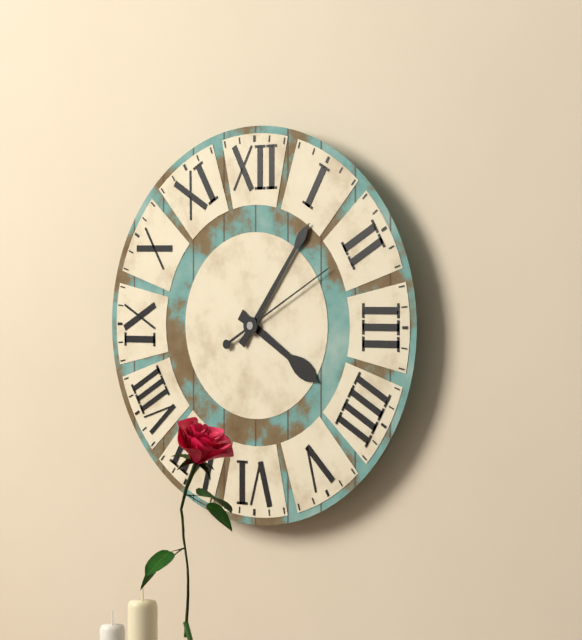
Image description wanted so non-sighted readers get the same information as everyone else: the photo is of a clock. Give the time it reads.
4:06:10
